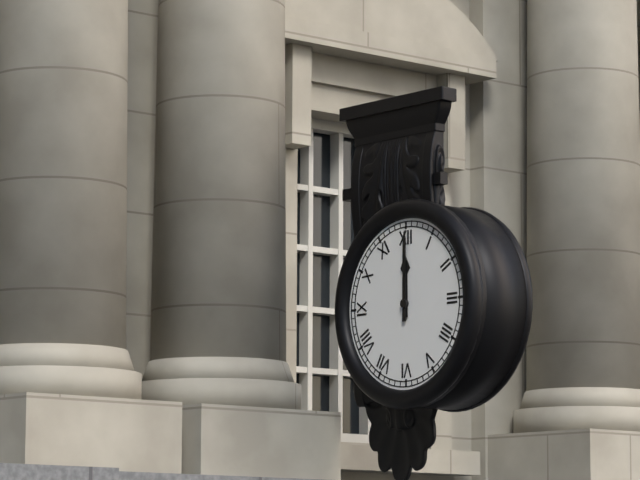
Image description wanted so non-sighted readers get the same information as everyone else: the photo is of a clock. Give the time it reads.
12:00
